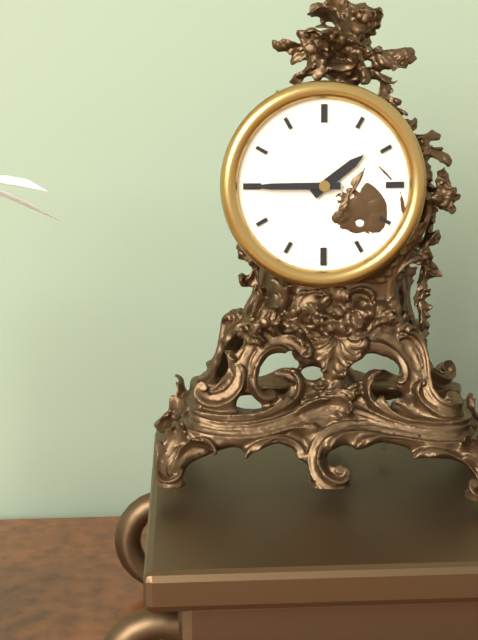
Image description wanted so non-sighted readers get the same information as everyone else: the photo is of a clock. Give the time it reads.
1:45
